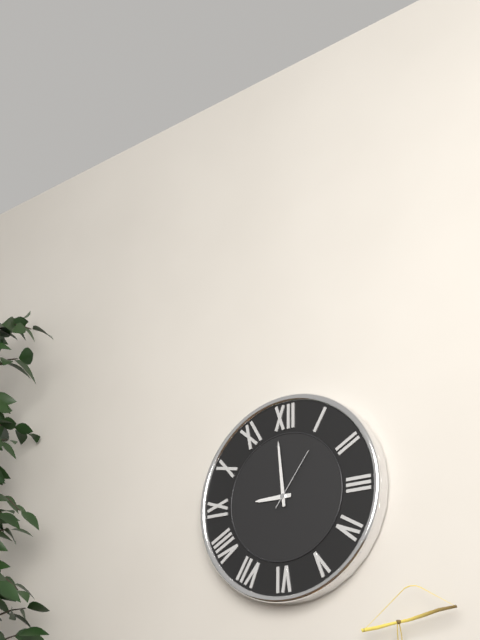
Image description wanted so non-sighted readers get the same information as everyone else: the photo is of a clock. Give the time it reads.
8:59:06
